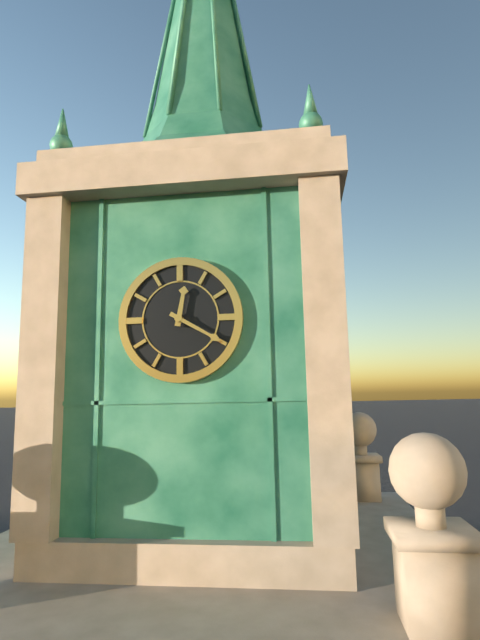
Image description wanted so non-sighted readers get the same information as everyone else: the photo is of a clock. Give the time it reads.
12:20
